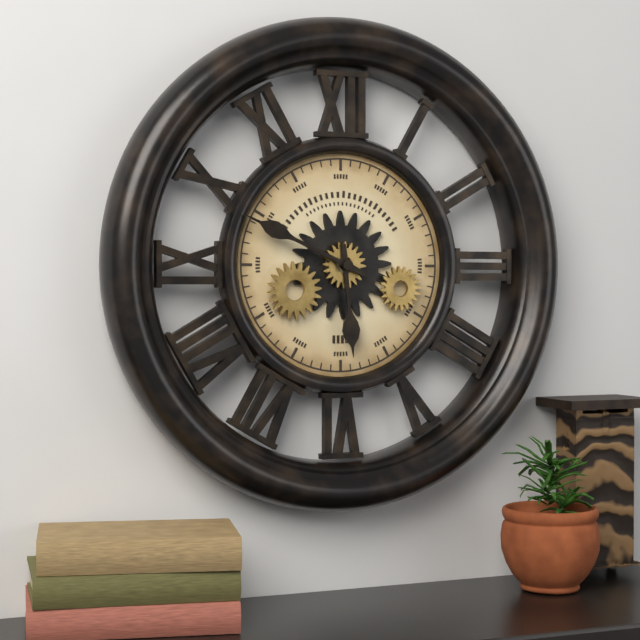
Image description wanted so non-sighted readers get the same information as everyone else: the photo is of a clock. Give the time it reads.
5:49
